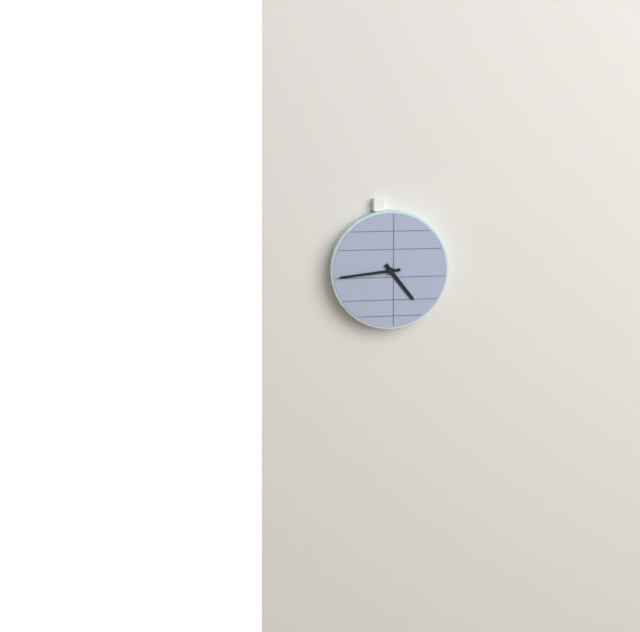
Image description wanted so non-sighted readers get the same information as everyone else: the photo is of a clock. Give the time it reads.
4:44
